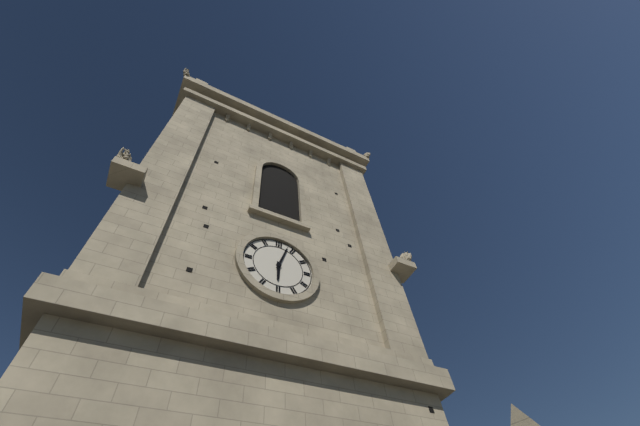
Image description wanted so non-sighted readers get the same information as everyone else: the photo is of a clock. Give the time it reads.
6:03
